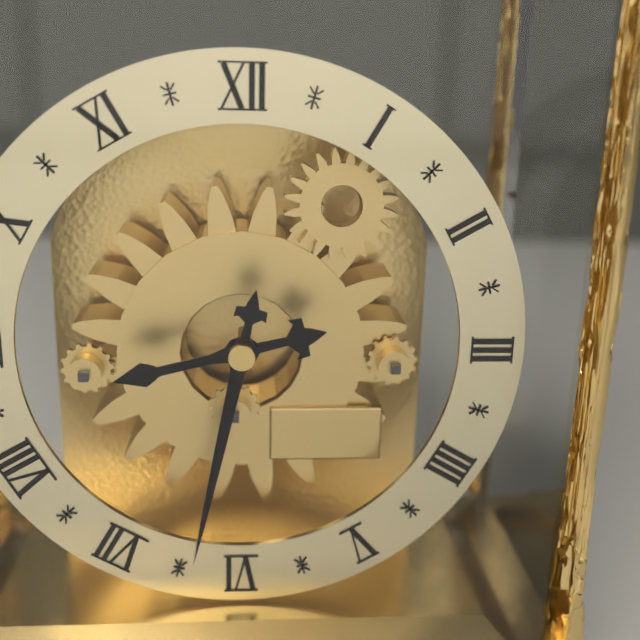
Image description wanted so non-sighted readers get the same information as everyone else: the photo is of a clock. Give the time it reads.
8:32
